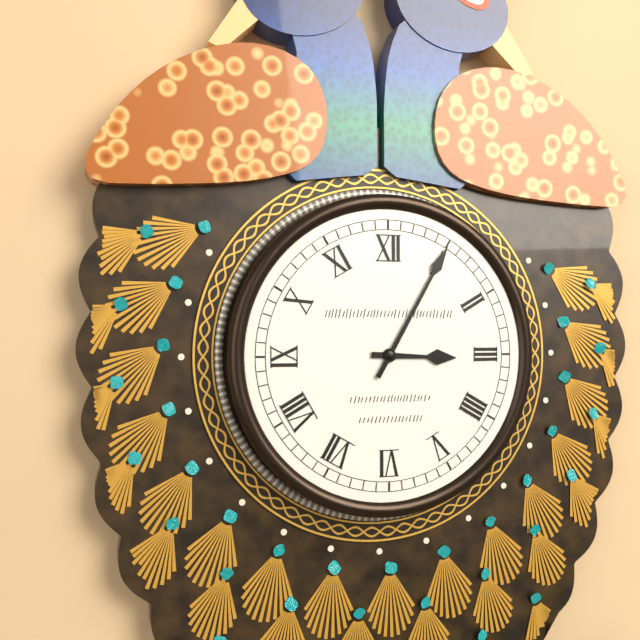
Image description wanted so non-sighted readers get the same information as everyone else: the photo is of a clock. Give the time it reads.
3:05
